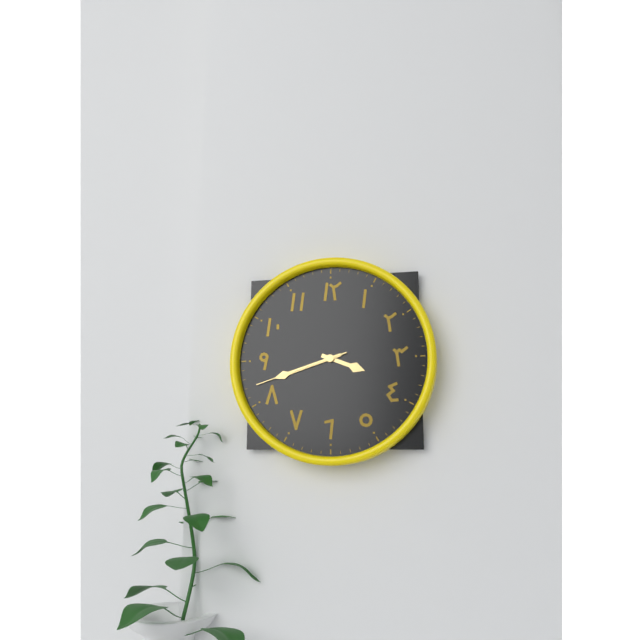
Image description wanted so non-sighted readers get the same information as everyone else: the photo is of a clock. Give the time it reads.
3:42:42
